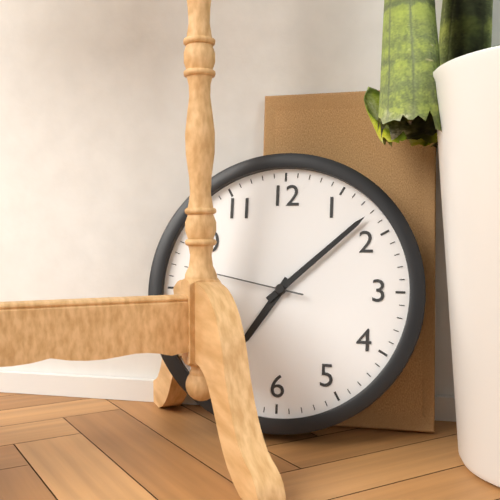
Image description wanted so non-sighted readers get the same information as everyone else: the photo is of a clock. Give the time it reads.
7:08:47
